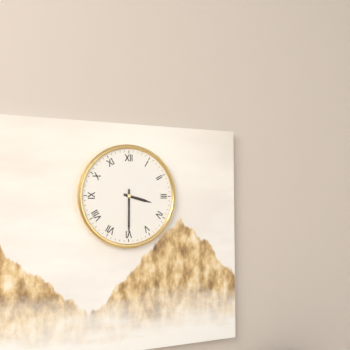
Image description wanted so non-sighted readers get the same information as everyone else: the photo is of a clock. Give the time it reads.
3:30
